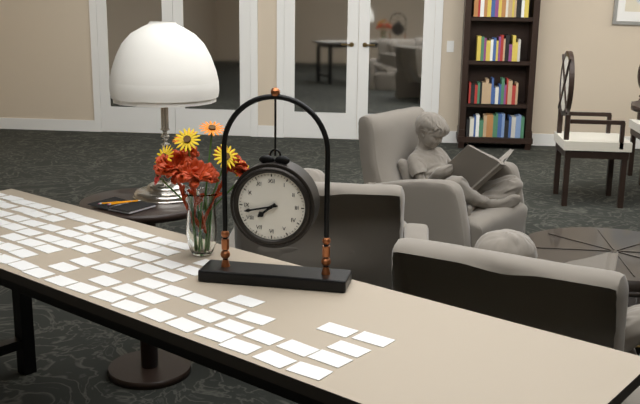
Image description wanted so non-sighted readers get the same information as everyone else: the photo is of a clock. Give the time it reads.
7:43
